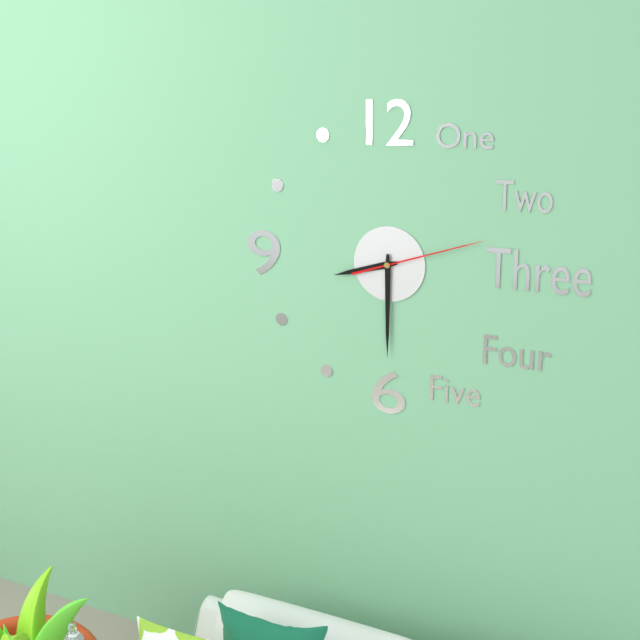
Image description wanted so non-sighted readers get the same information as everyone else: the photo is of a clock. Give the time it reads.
8:30:12
